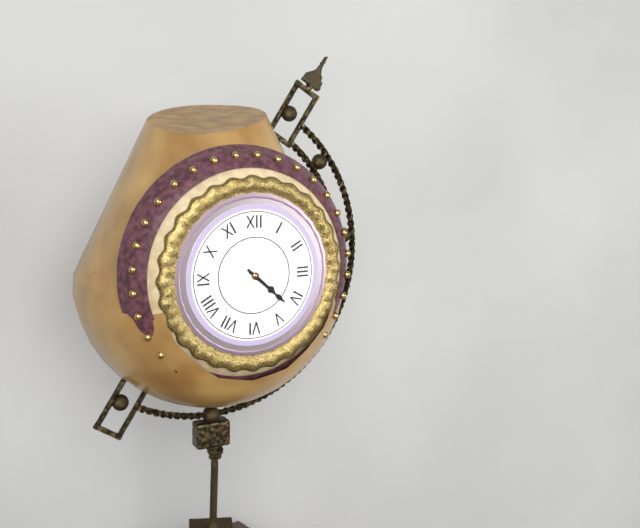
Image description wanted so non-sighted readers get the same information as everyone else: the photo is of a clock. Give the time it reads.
4:22
